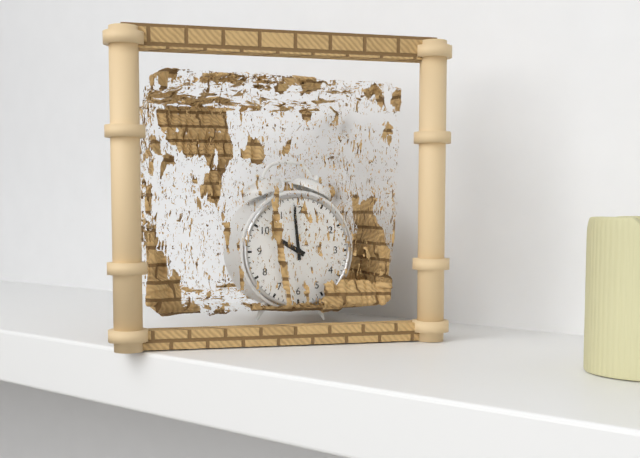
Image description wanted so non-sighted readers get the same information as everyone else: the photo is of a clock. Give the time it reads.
9:59
